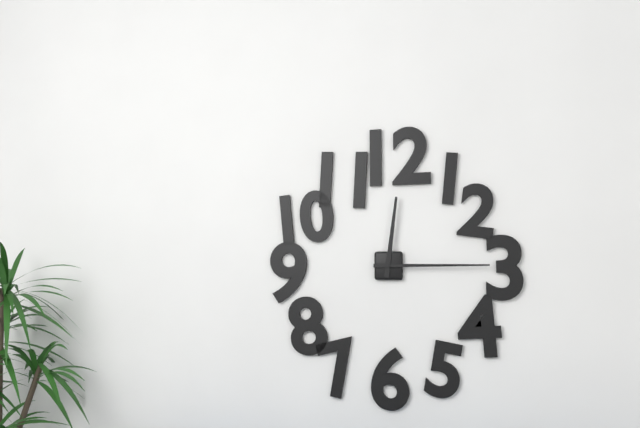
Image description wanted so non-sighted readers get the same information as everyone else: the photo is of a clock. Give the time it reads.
12:15
